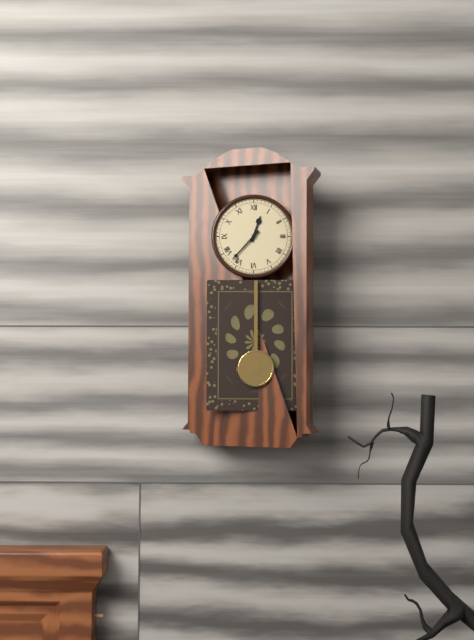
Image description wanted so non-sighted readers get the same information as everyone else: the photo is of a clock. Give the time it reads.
12:37
